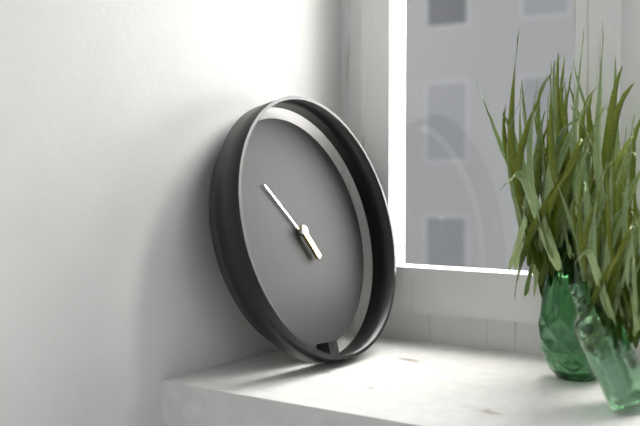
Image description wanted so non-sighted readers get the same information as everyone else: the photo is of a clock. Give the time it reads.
4:53
